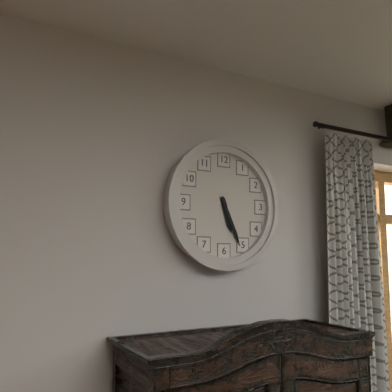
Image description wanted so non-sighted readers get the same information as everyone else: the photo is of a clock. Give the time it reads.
5:26
